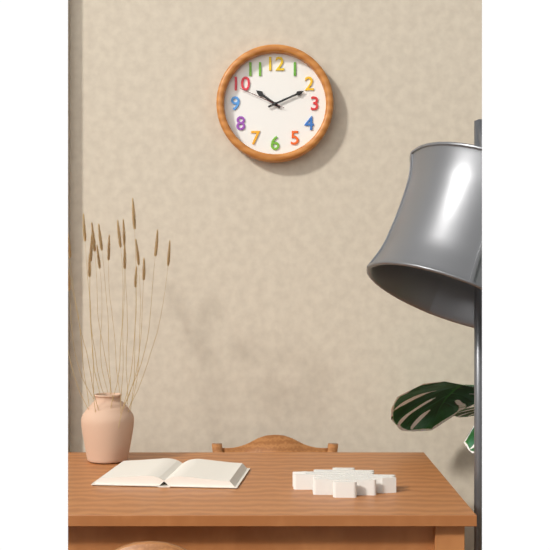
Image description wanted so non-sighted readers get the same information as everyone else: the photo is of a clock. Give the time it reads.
10:11
